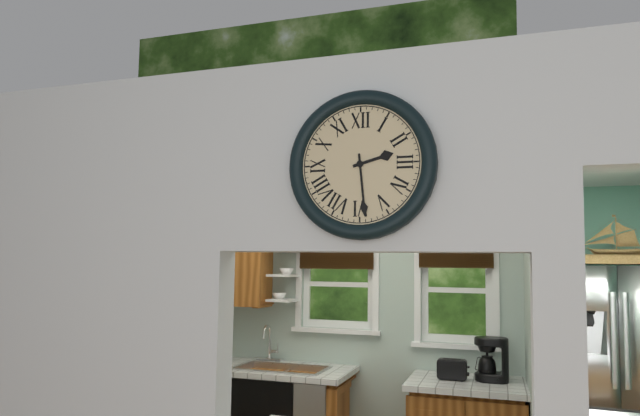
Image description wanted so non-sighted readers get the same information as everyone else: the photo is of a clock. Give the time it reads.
2:29
